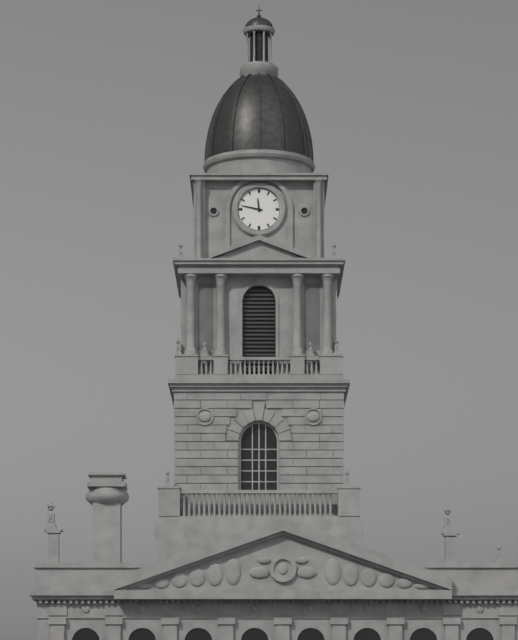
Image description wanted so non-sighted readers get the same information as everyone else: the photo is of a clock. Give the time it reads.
11:47
